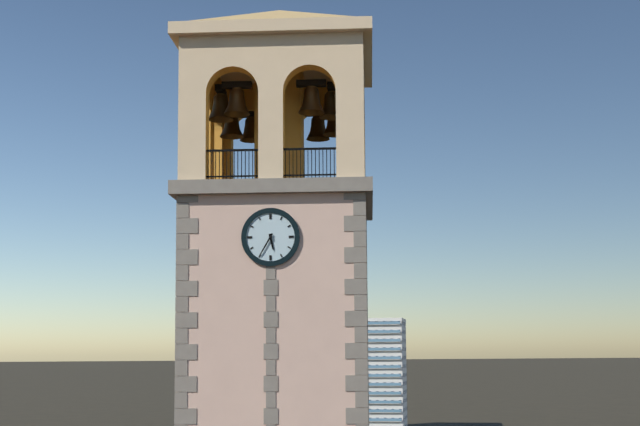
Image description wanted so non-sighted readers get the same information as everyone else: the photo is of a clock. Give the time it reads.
5:35
